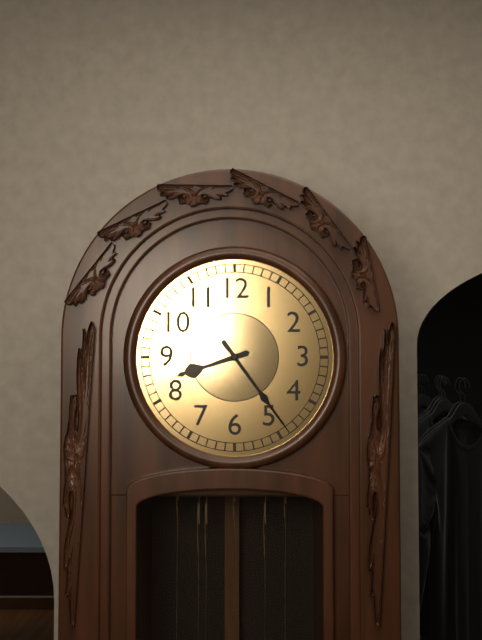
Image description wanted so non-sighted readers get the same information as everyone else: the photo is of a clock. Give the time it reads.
8:24
